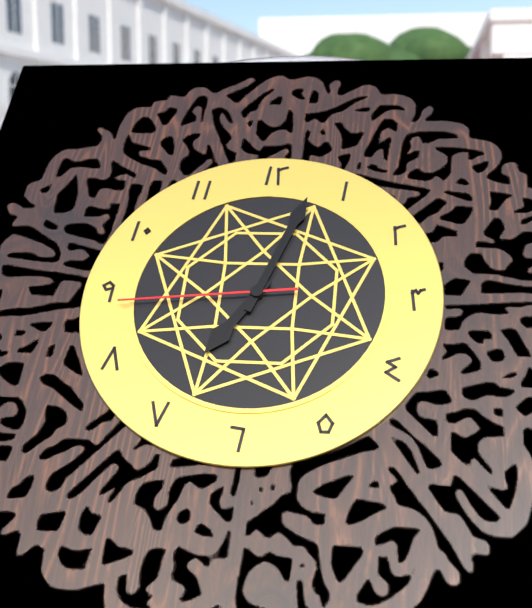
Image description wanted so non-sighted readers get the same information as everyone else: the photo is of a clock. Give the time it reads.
7:03:44
